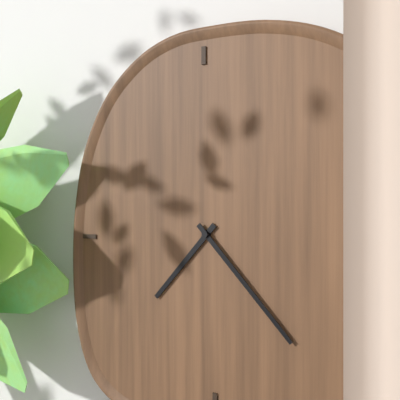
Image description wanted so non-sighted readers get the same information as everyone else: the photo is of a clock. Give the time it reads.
7:23
